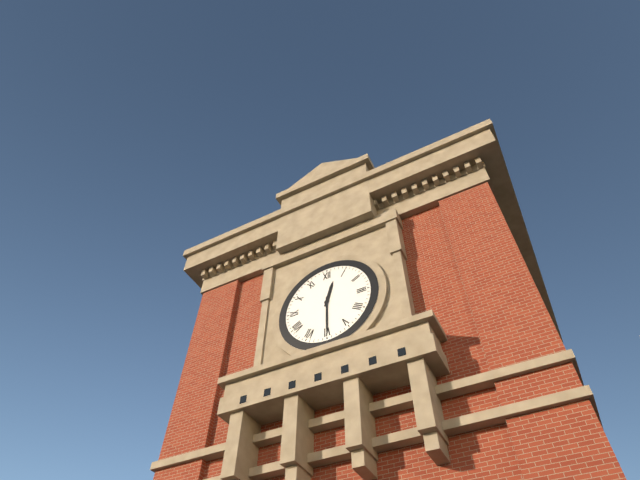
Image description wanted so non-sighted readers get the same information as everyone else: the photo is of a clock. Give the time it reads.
12:30
